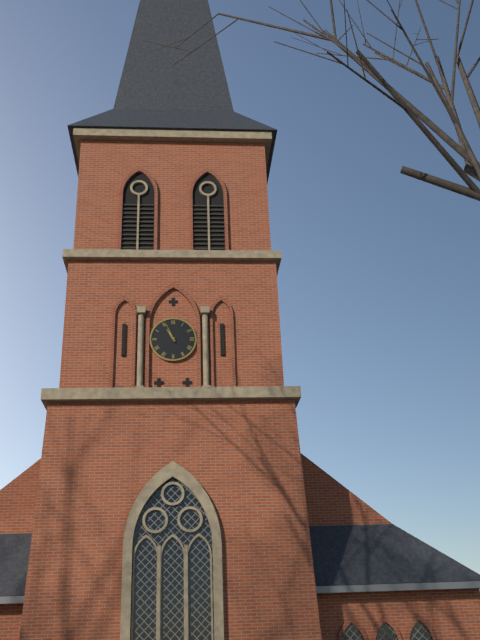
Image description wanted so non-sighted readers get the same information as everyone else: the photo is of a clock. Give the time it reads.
10:56
